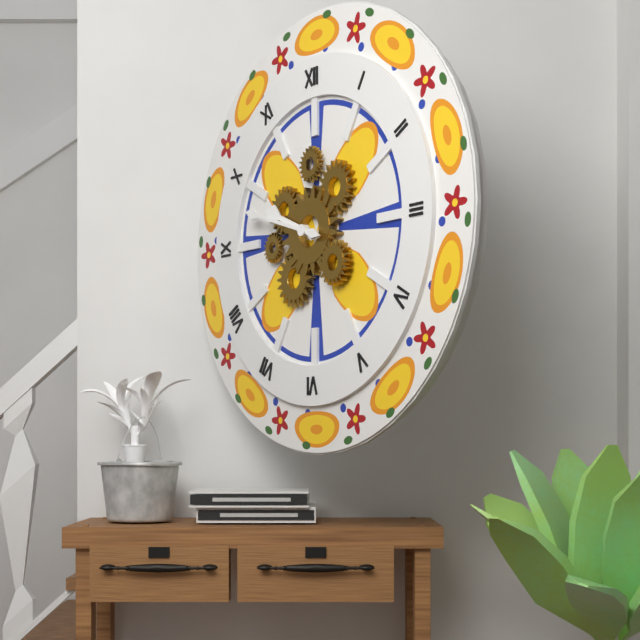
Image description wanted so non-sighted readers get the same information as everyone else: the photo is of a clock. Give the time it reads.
9:48
